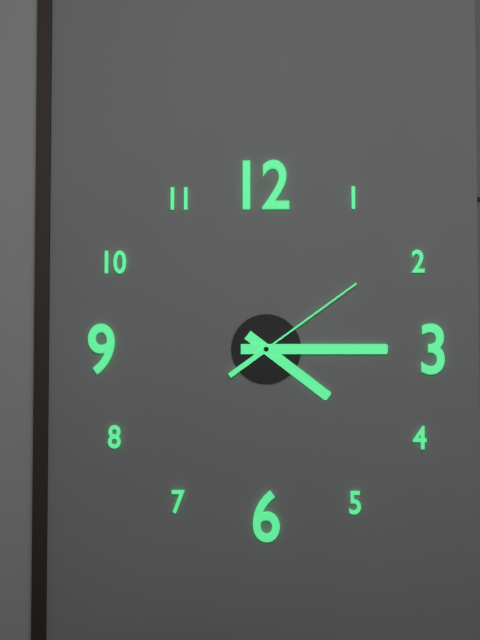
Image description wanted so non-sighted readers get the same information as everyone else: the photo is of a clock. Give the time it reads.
4:15:09
